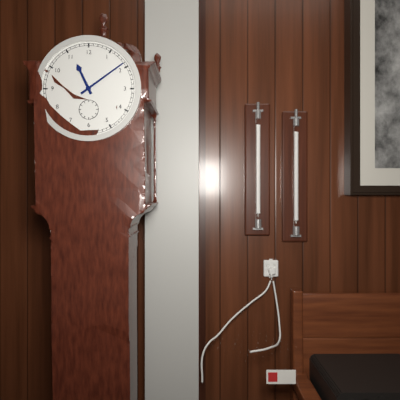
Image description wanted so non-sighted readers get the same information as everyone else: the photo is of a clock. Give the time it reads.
11:09
